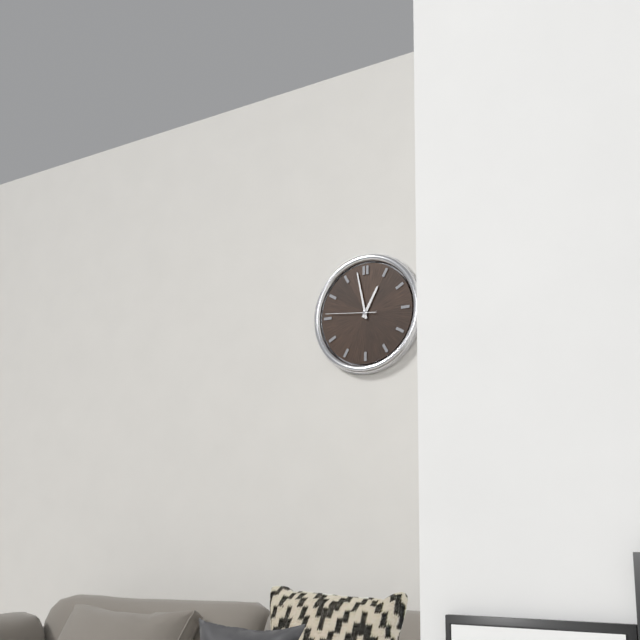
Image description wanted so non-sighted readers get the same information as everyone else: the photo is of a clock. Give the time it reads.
12:58
